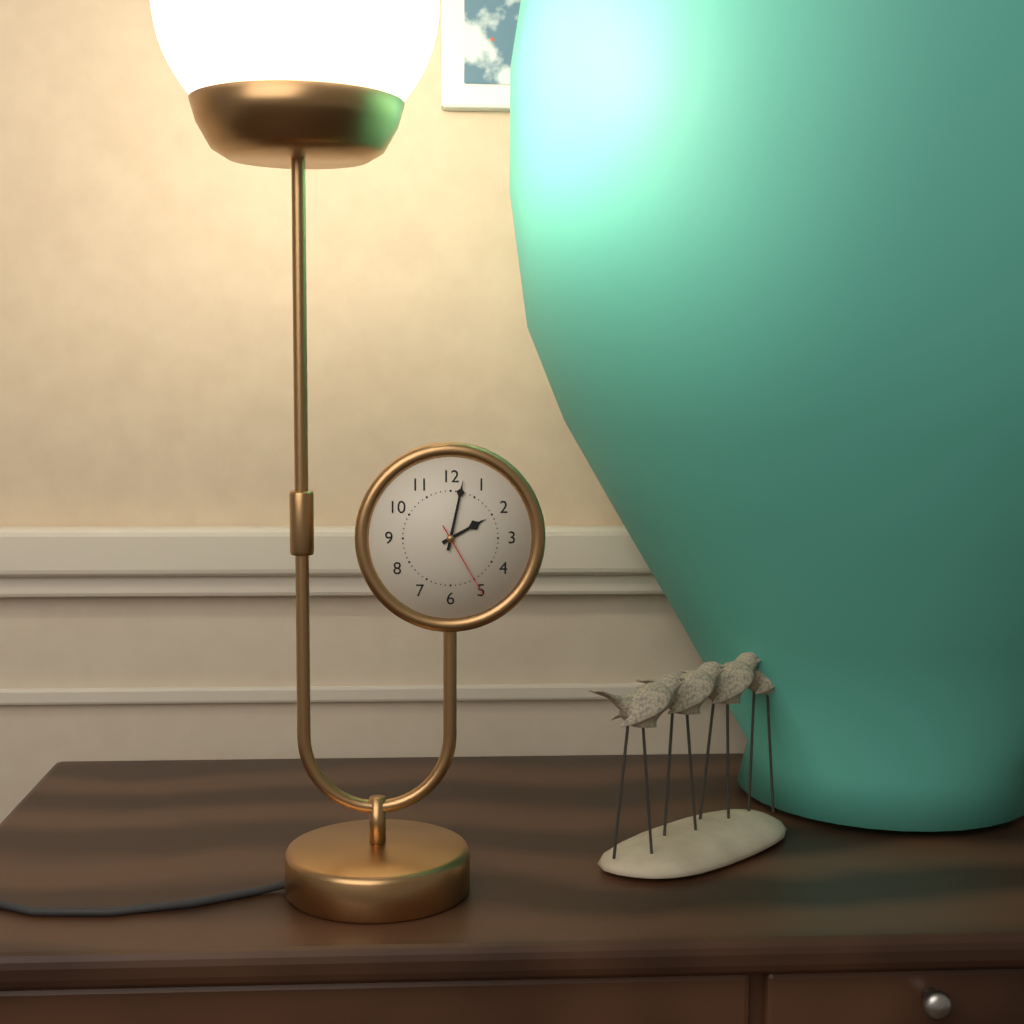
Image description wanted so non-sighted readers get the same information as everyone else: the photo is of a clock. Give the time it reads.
2:02:25
